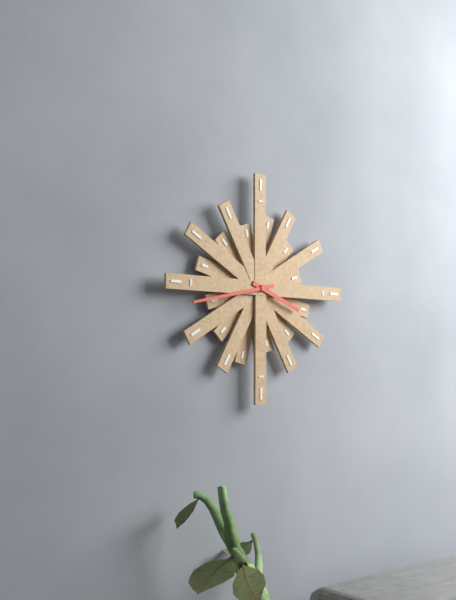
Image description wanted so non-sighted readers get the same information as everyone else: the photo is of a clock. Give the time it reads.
3:43
